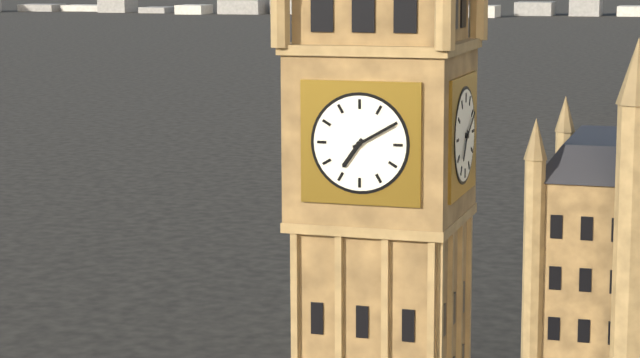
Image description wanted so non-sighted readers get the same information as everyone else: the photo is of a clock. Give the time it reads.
7:10
